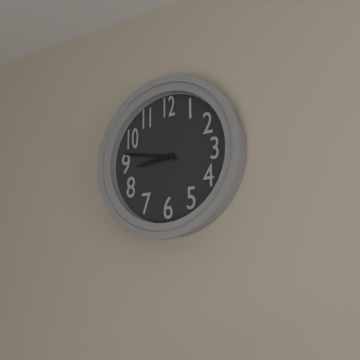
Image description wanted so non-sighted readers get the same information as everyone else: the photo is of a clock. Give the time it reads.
8:47
